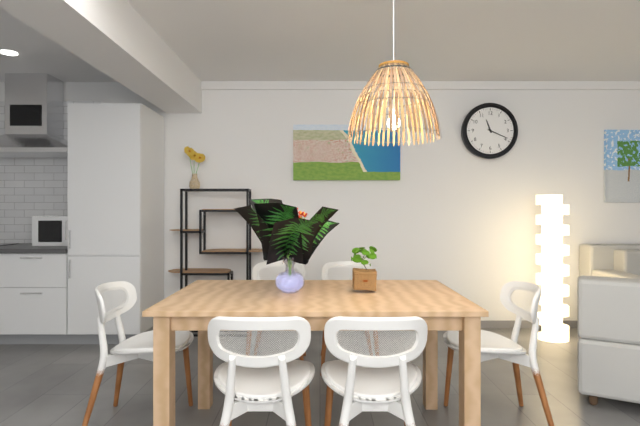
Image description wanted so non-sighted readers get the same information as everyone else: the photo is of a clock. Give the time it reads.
11:19
